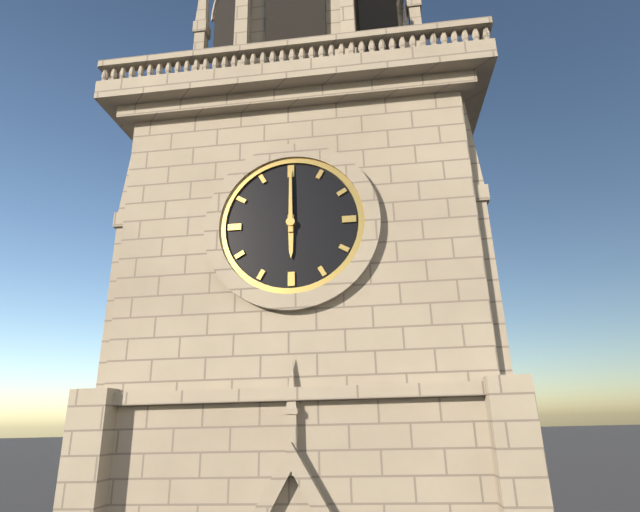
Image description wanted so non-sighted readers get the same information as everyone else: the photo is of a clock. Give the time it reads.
6:00
